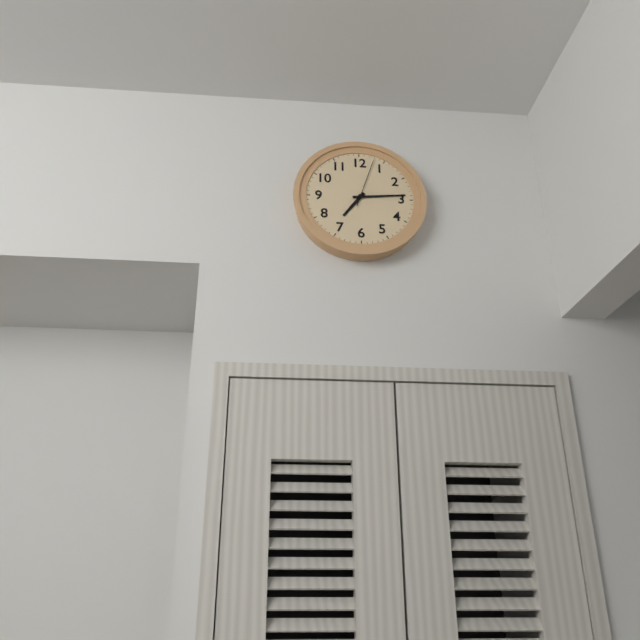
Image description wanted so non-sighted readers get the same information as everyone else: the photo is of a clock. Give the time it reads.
7:14
